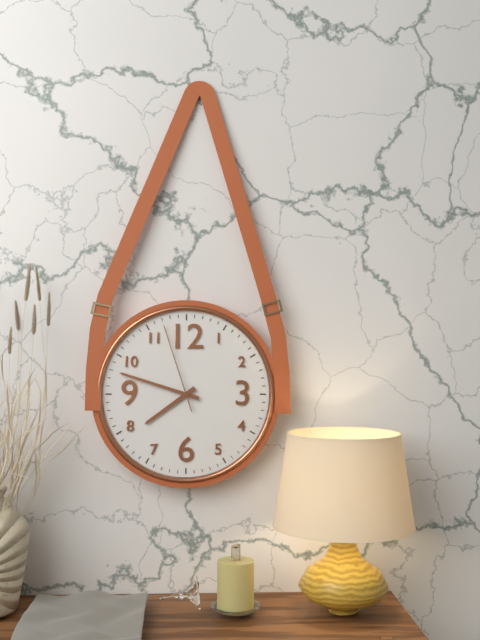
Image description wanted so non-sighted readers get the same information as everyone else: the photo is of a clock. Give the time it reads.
7:48:57
